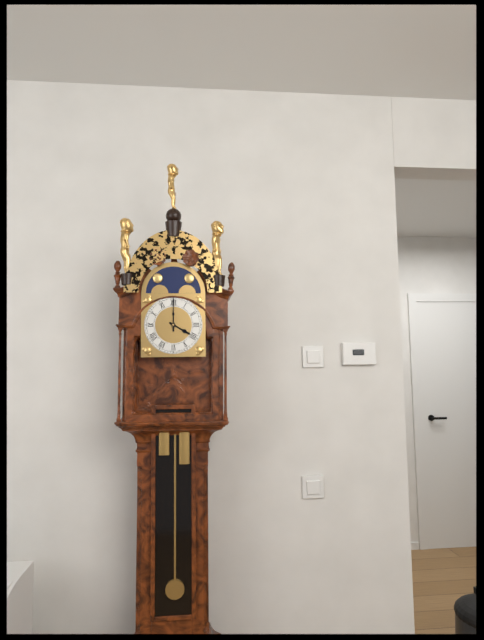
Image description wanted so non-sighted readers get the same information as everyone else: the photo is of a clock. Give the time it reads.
4:00
